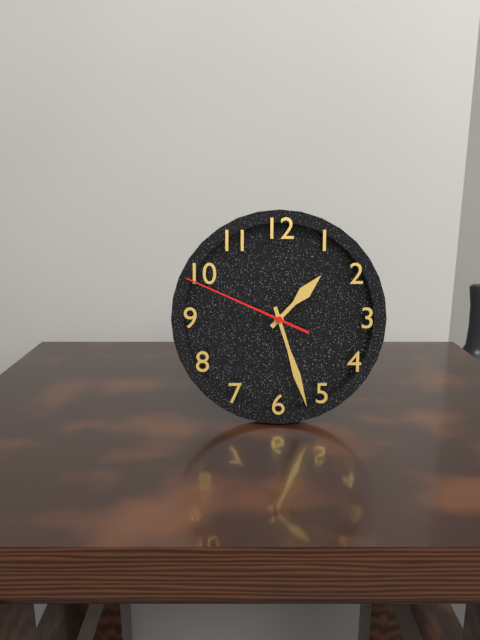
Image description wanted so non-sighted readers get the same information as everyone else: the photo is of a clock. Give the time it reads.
1:27:49
